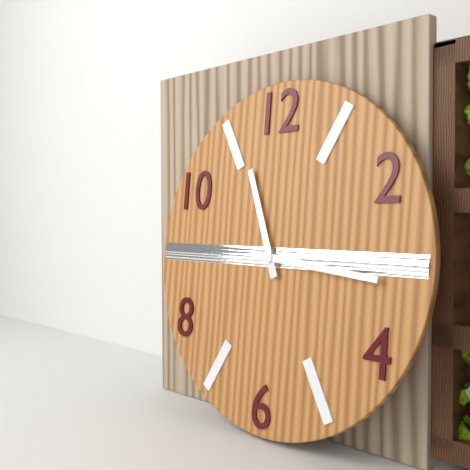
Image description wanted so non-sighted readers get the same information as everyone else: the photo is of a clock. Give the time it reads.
11:16
